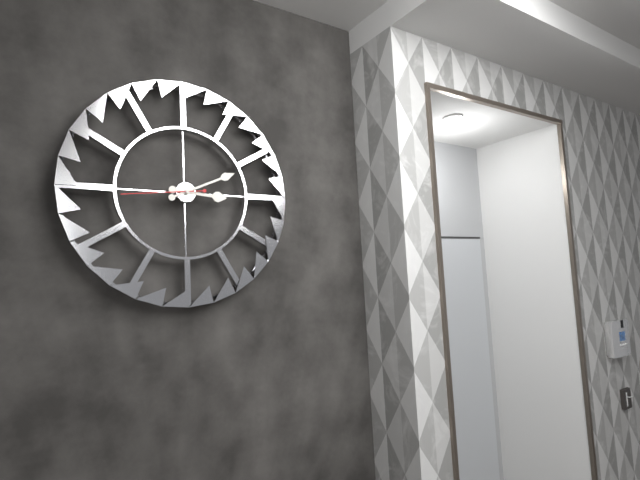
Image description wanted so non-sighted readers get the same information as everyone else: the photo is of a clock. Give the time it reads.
3:11:44
